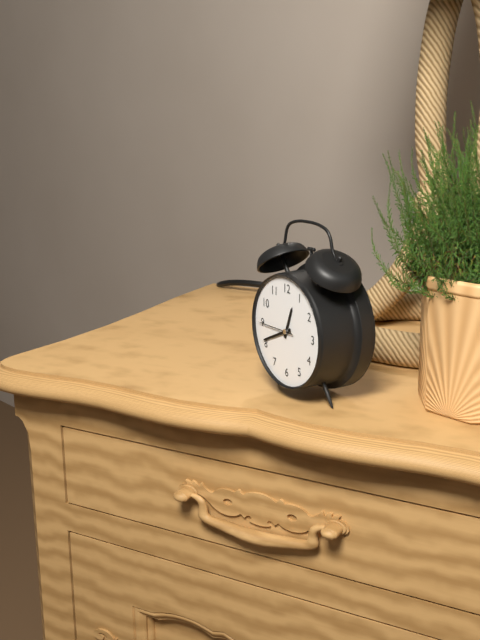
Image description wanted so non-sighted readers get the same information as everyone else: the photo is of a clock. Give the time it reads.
12:41
